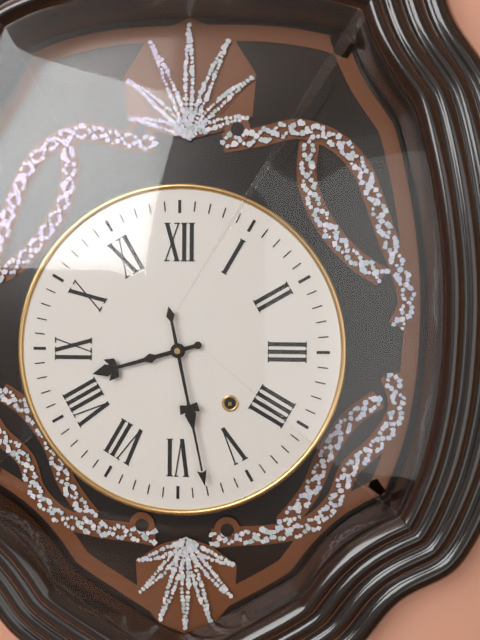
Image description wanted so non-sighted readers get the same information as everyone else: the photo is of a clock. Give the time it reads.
8:28
